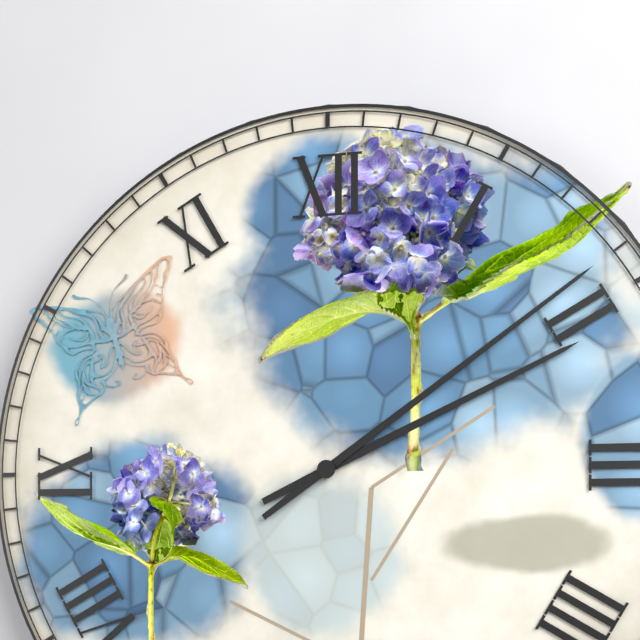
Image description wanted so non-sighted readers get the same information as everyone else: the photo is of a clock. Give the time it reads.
2:09
